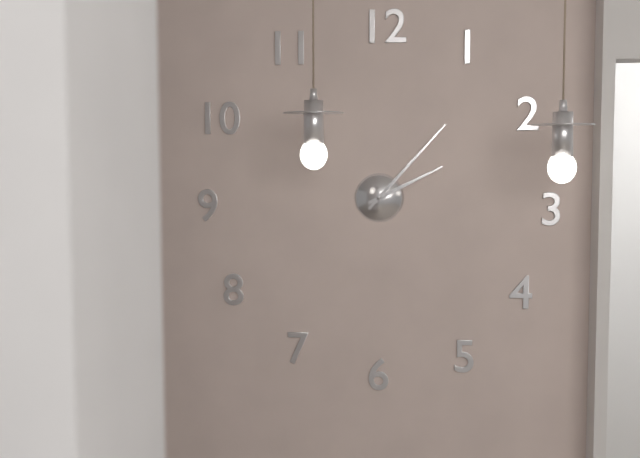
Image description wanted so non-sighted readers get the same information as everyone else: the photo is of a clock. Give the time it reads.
2:07
